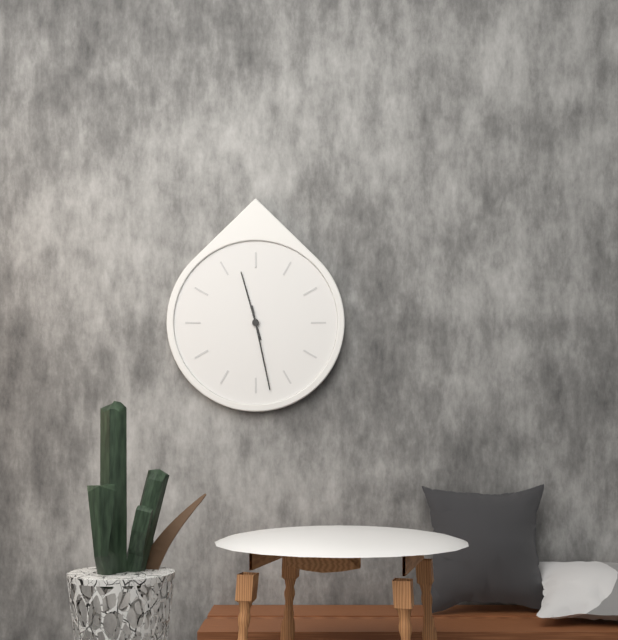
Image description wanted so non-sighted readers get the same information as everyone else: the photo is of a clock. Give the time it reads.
11:28
